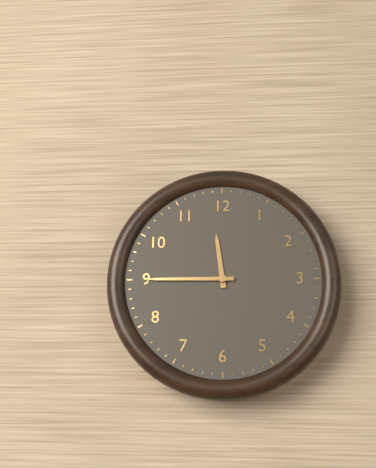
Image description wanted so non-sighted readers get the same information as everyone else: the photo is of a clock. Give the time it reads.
11:45
